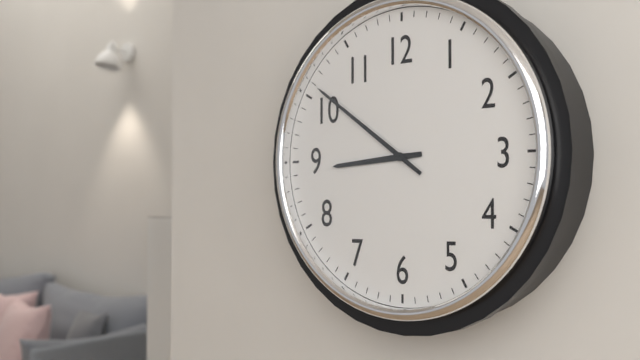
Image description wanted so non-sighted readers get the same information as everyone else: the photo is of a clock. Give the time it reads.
8:51
